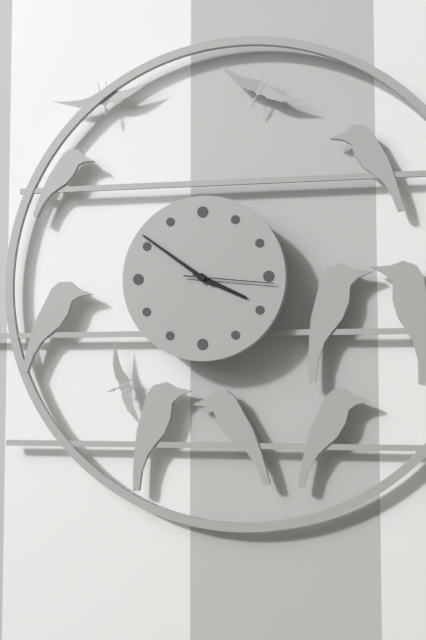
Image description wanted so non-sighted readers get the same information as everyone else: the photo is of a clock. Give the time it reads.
3:51:16
